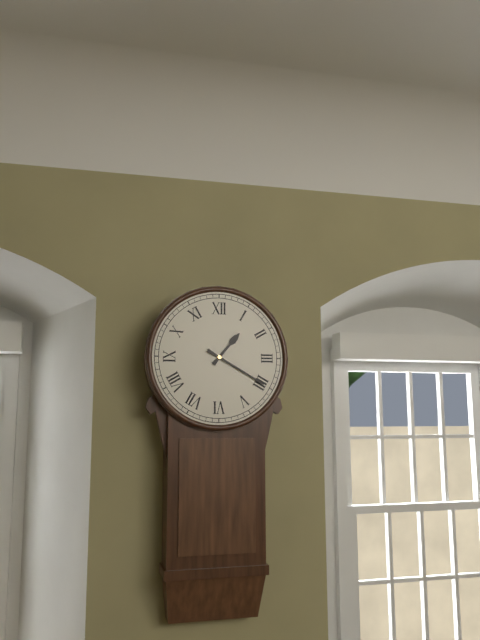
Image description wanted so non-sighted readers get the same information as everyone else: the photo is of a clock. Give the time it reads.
1:20
